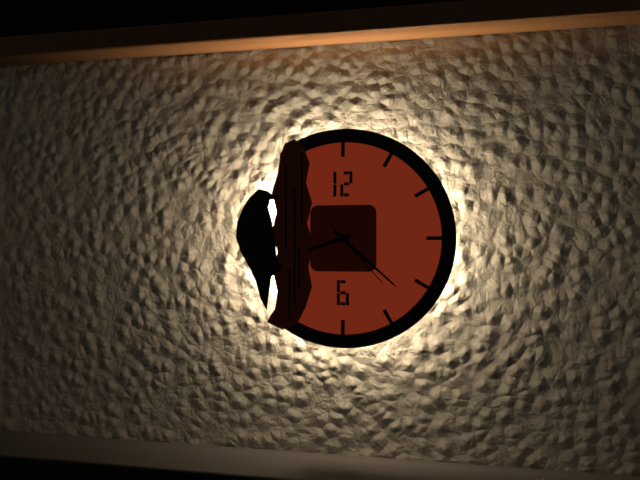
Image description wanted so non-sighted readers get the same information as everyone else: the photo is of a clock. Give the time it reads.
8:22:23
